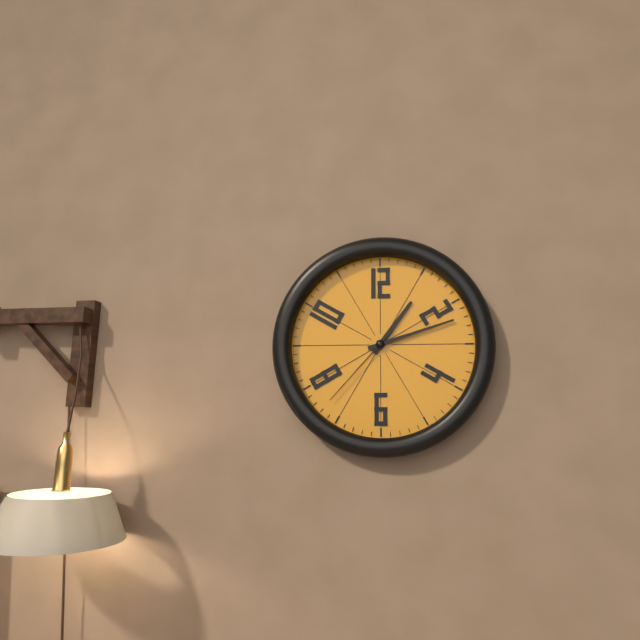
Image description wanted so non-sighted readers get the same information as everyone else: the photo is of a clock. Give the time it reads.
1:12:37
